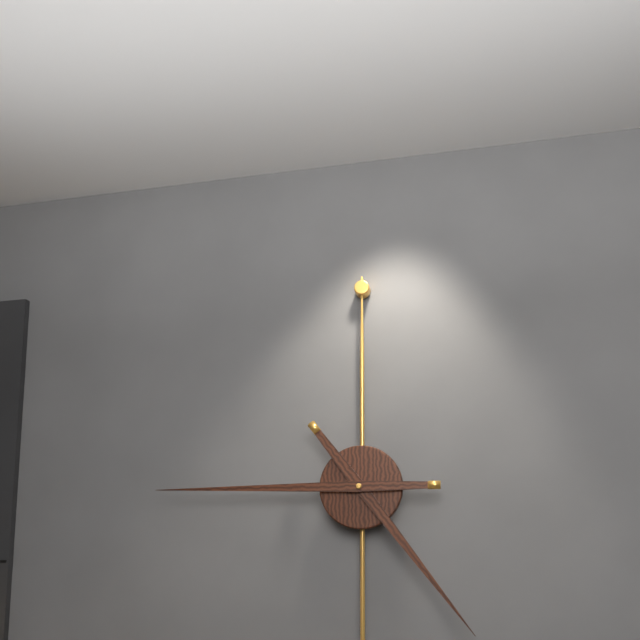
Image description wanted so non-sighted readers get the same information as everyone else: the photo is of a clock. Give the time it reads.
4:45
